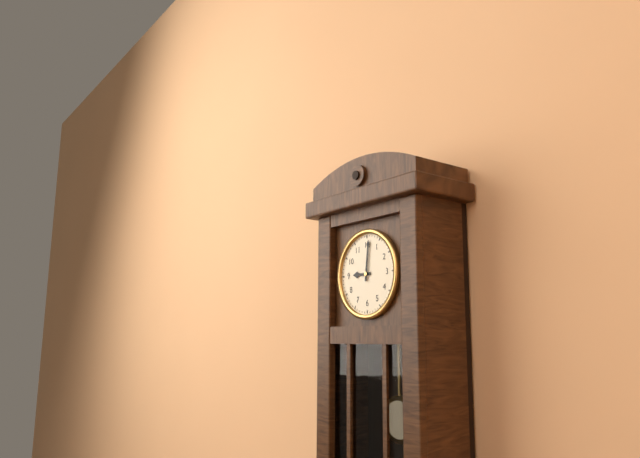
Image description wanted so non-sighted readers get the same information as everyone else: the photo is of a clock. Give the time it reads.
9:01
